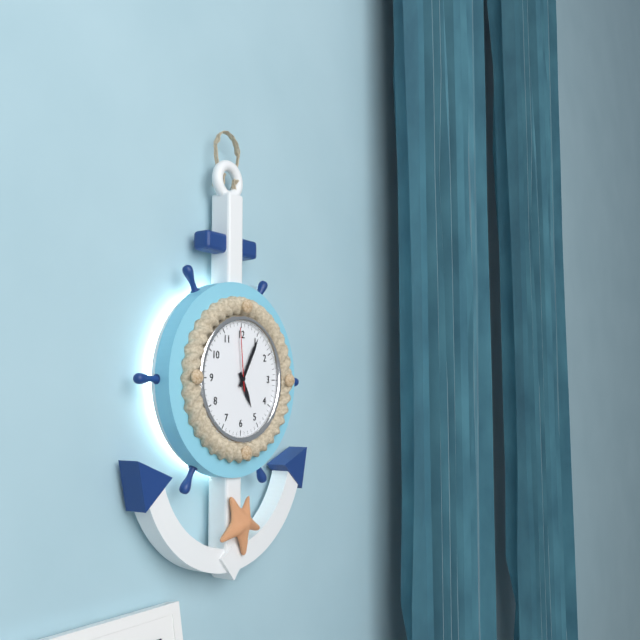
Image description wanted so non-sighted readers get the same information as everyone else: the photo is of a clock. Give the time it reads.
5:05:59
